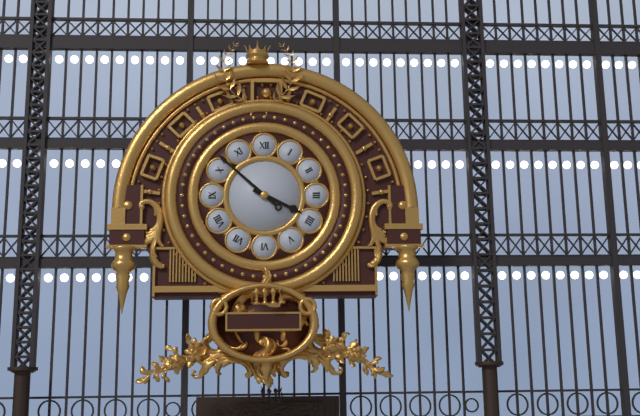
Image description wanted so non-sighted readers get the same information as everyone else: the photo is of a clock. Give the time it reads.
3:52
